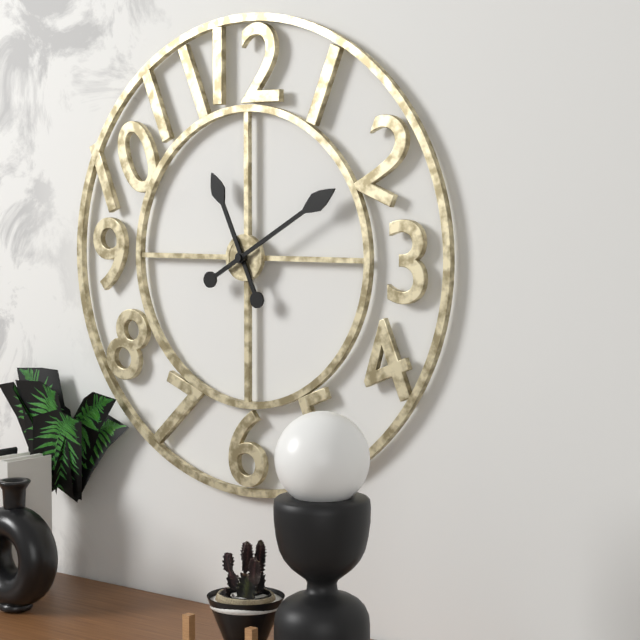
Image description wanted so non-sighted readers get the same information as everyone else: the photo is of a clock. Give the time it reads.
11:10
